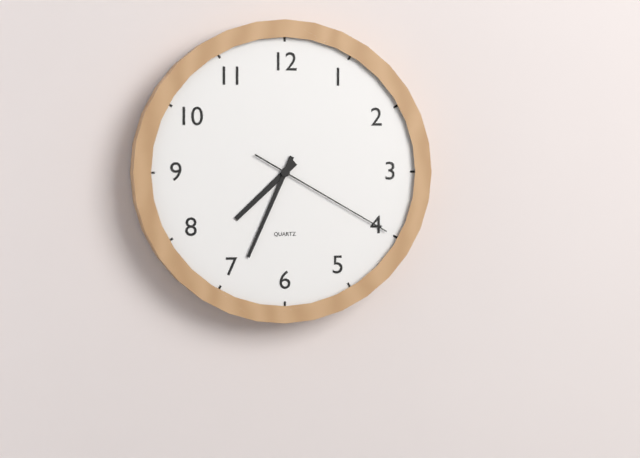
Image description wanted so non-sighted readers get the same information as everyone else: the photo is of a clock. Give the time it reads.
7:34:20
